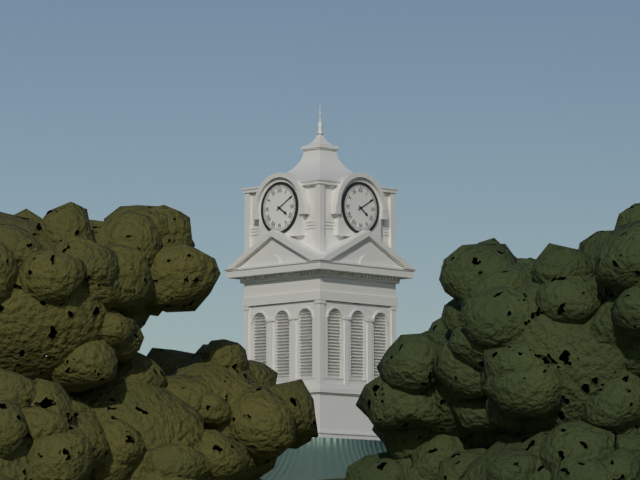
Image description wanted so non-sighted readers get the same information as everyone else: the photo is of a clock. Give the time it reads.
4:10
